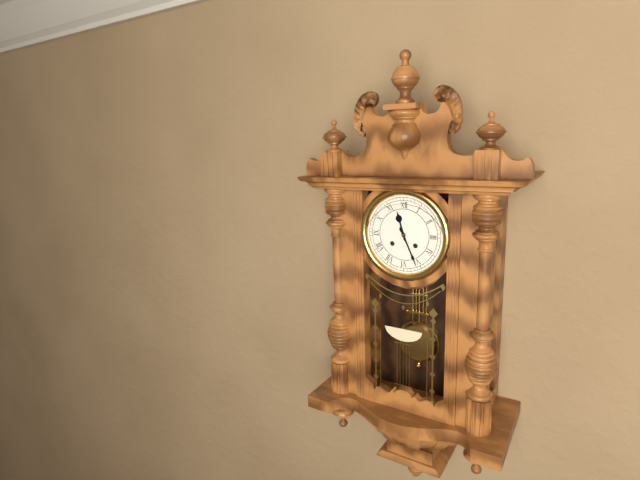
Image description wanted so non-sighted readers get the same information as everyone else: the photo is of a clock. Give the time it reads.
11:26
